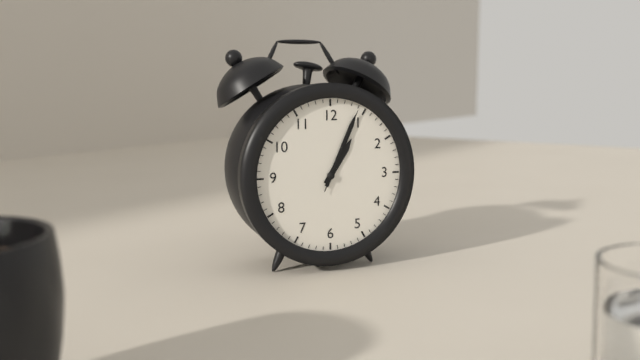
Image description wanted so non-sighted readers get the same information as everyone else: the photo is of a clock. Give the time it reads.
1:04:04
